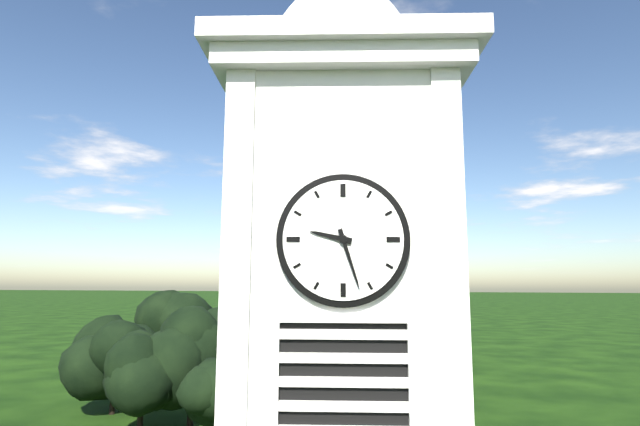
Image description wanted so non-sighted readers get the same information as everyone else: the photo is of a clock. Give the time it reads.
9:27
